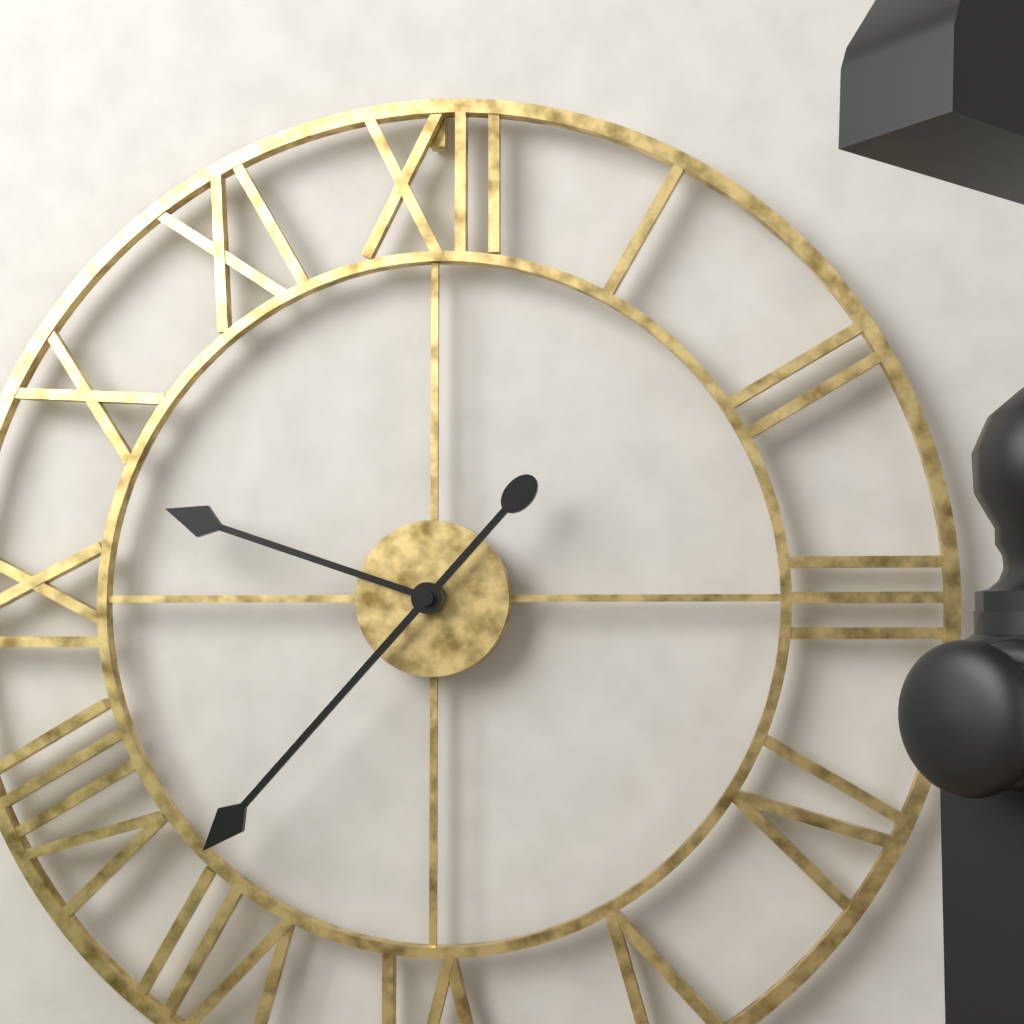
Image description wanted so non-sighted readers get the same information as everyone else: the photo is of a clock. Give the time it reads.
9:37
